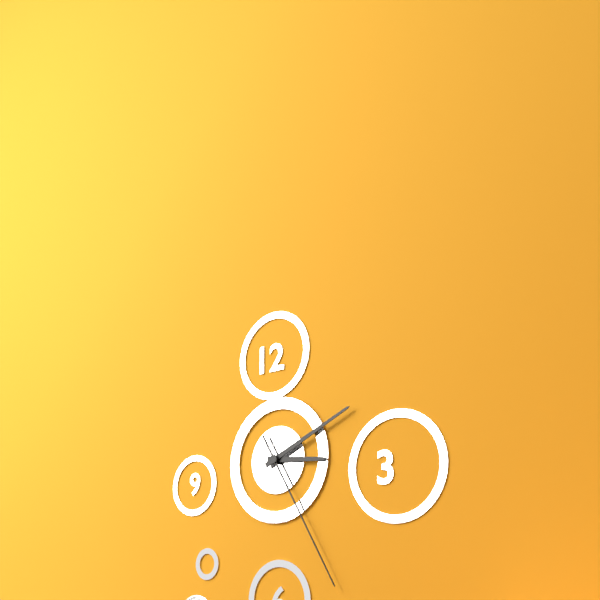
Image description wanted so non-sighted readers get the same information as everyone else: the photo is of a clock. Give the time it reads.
3:11:25
